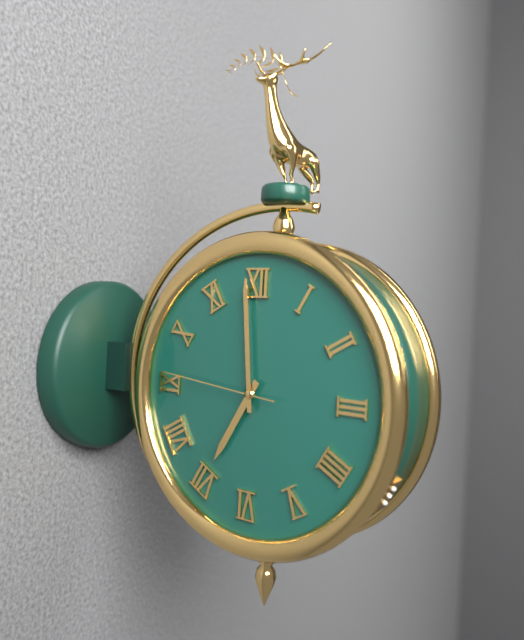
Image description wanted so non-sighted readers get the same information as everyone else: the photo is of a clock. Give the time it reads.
6:59:46
